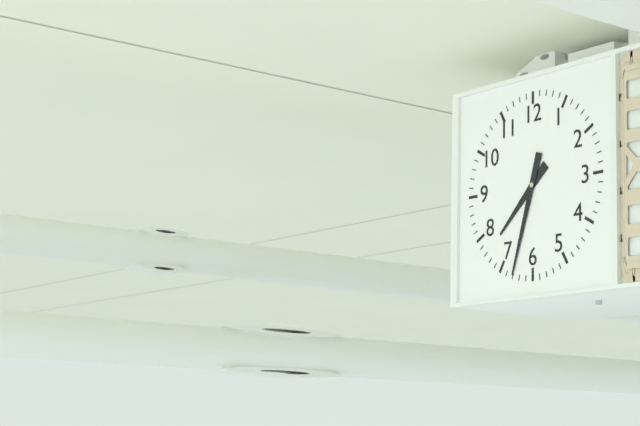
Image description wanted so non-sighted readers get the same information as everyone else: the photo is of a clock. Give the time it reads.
7:33
